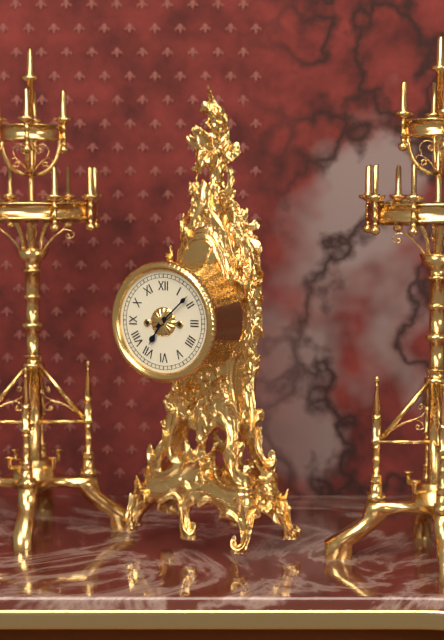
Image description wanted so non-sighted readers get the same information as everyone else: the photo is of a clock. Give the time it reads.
7:08
